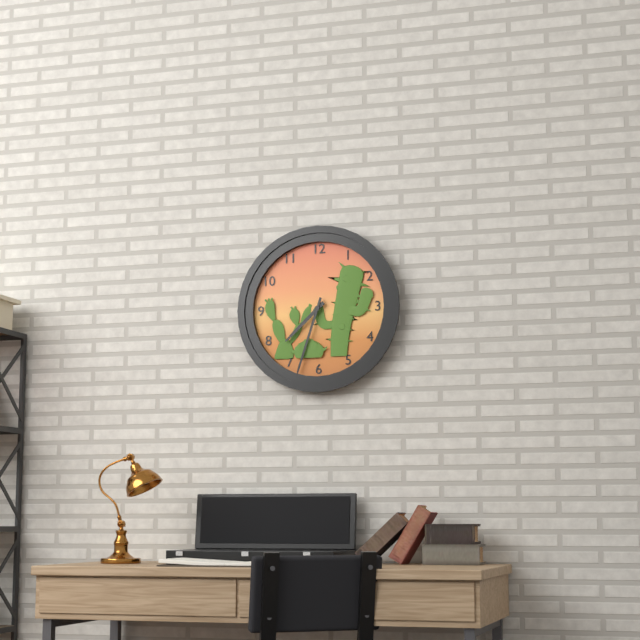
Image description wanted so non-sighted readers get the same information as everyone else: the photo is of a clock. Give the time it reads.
7:33
